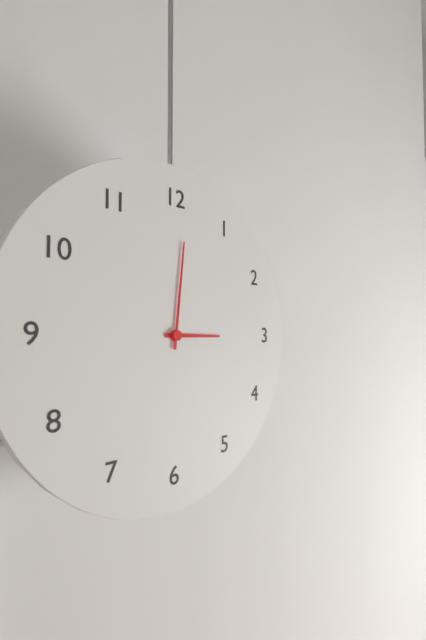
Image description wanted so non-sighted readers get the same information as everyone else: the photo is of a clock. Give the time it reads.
3:01
